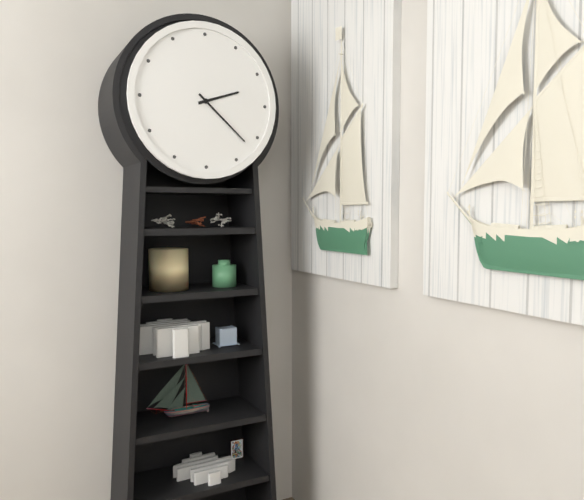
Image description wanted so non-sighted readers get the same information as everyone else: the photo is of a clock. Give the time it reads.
2:22
